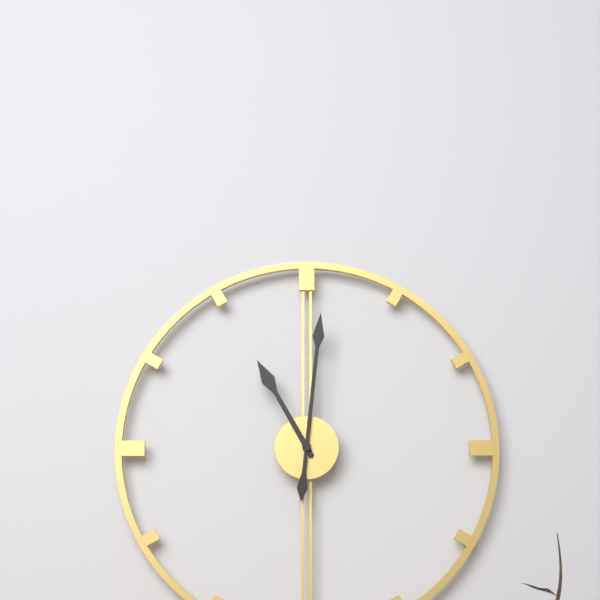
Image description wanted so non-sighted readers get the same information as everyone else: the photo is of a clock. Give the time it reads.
11:01
